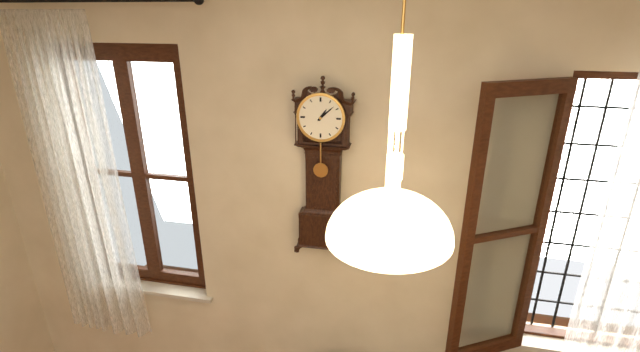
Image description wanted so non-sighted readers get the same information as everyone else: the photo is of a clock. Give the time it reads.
1:08
